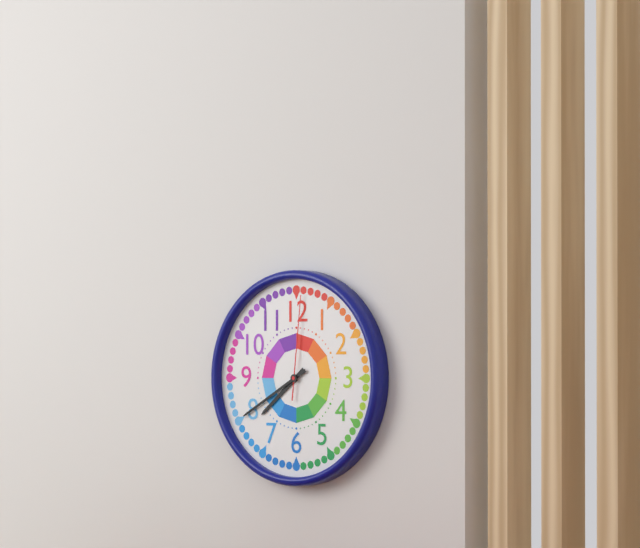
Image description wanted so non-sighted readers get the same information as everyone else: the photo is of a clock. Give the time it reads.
7:40:01
